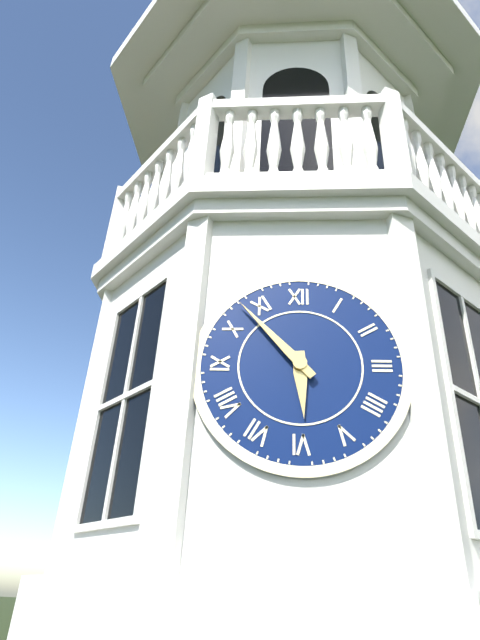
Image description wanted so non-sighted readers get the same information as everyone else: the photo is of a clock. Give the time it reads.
5:53
